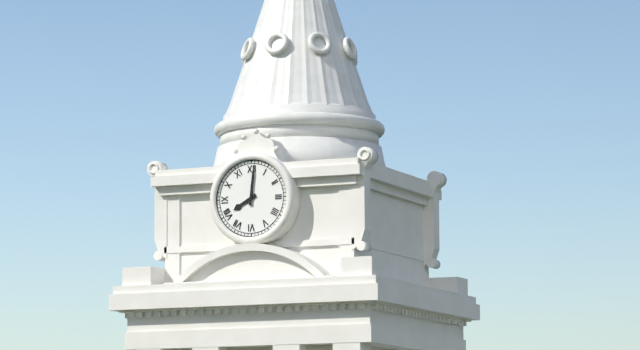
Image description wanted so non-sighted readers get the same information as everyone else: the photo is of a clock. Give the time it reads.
8:01
